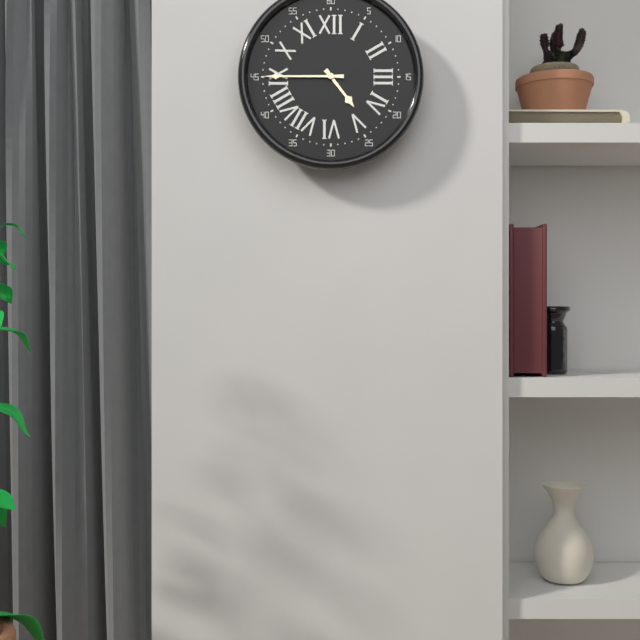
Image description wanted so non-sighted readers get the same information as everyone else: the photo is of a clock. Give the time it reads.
4:45
